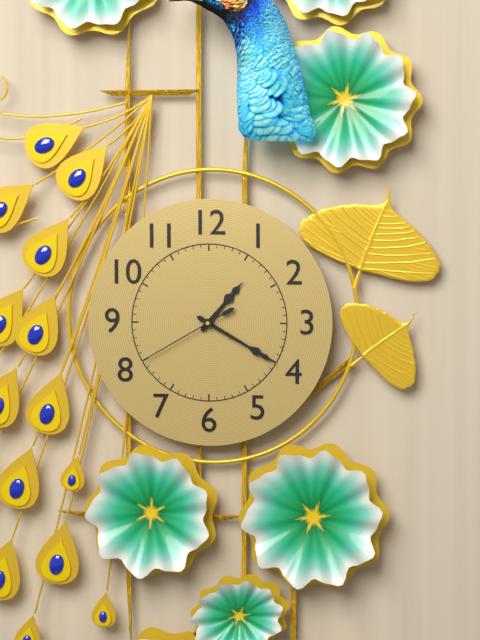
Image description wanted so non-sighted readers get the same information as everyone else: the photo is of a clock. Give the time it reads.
1:20:40
